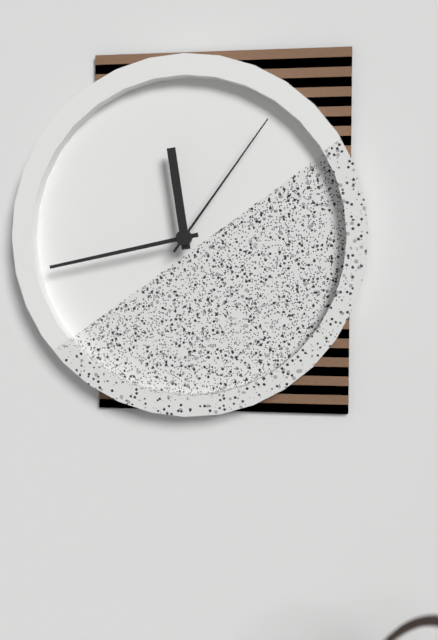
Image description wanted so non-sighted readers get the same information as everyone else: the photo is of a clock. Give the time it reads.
11:43:06
